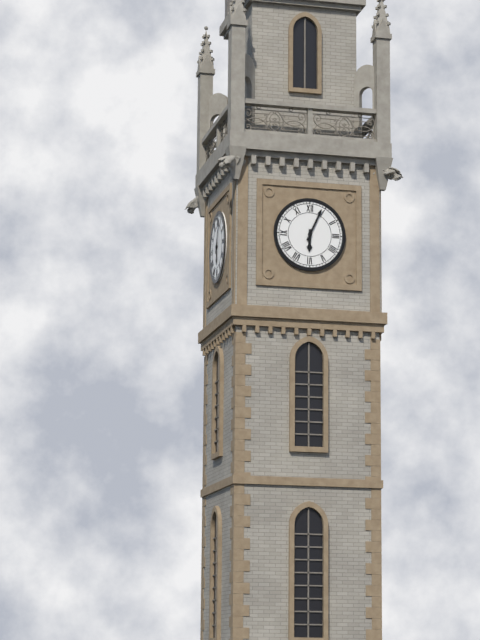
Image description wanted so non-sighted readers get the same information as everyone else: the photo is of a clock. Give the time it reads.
6:04
